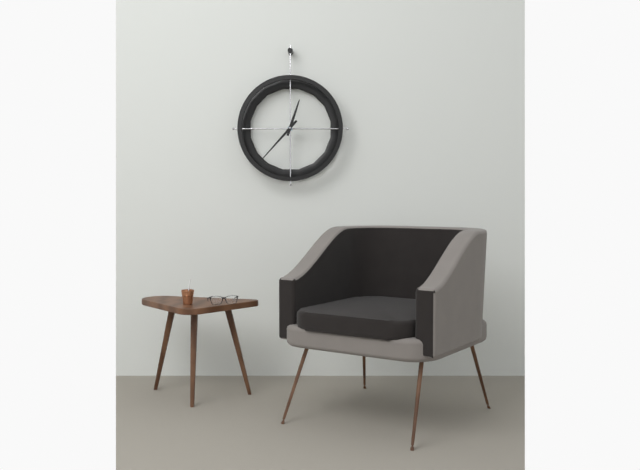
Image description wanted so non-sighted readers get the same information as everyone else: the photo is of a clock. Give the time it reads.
12:37
